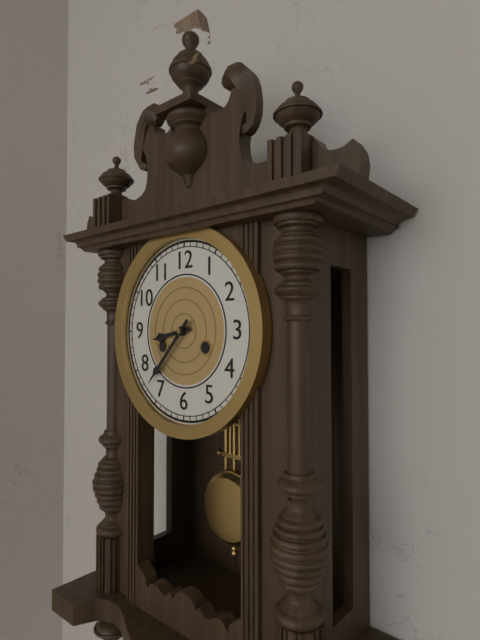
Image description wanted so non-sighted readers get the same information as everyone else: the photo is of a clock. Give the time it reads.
8:37
